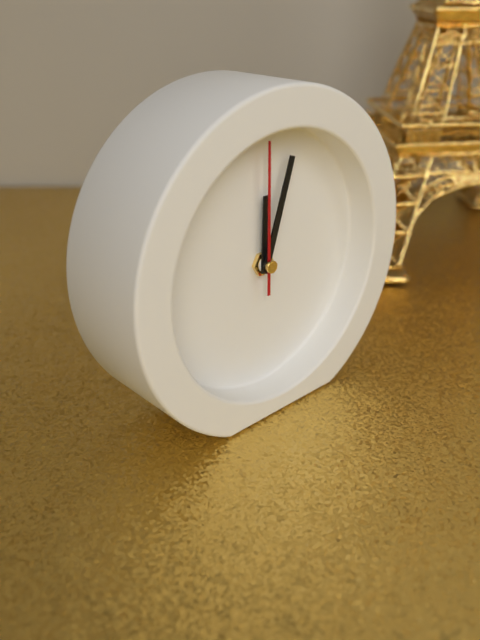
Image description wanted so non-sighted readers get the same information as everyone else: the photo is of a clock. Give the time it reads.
12:03:00
